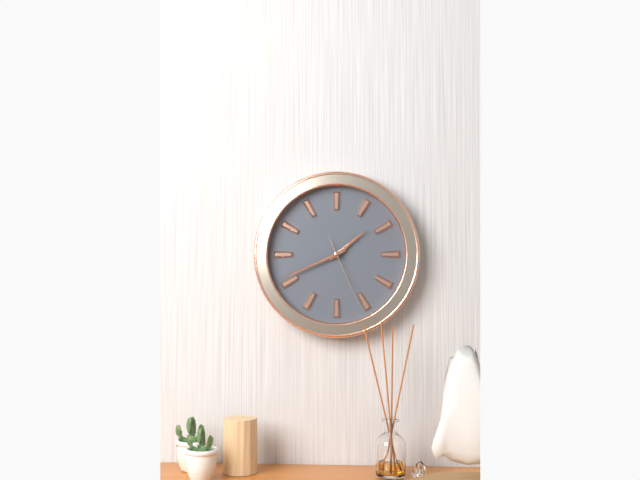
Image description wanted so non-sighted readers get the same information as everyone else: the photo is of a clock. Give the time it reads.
1:41:26
